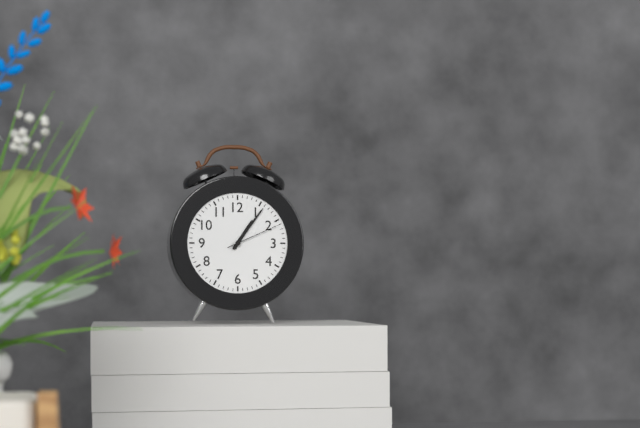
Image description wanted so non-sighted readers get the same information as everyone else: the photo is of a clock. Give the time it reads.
1:06:11
